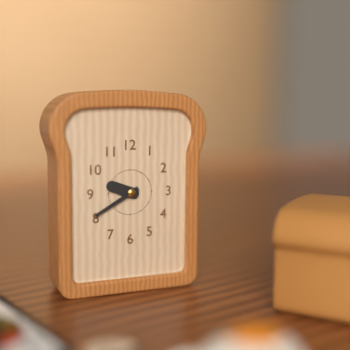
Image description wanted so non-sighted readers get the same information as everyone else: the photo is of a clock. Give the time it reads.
9:40
